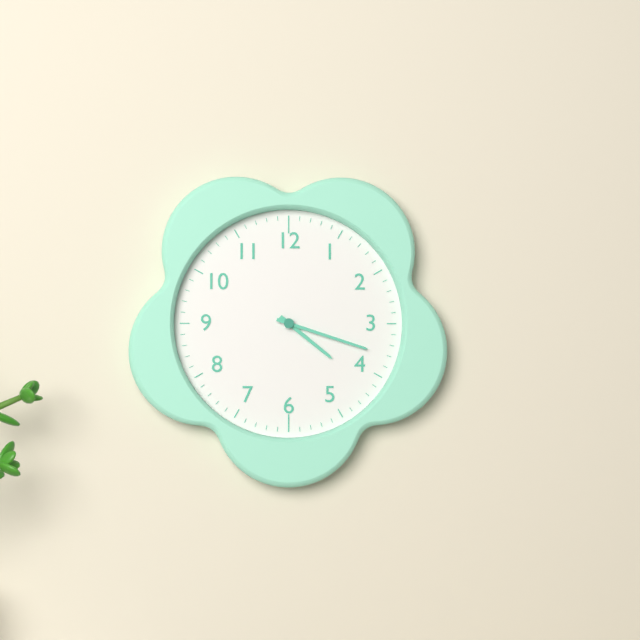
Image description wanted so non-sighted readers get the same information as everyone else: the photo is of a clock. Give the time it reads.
4:18
